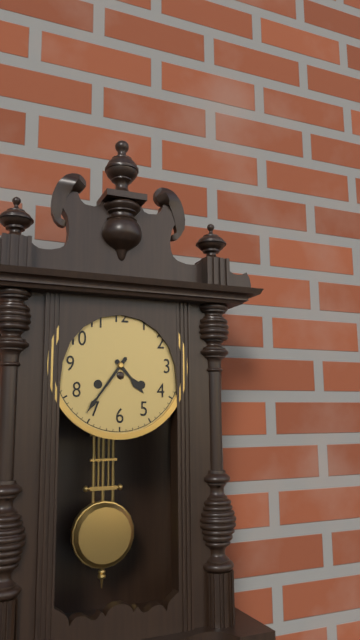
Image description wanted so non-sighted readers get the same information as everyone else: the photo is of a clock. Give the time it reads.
4:36
